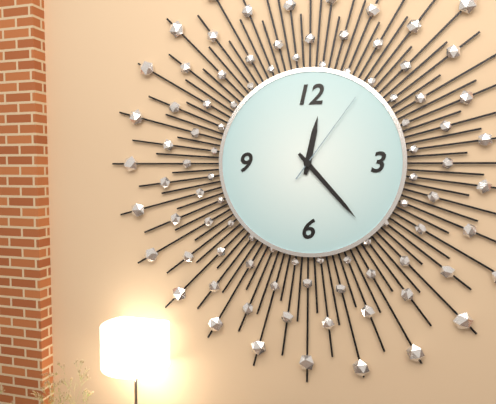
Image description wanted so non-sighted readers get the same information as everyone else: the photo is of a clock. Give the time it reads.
12:23:06
